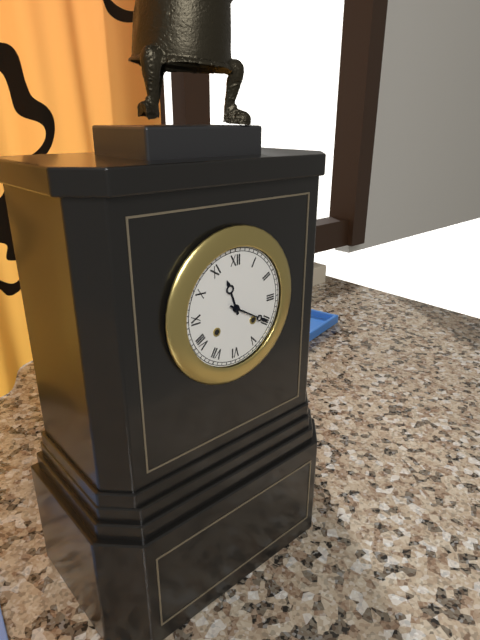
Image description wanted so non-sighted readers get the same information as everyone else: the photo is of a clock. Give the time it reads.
11:20
